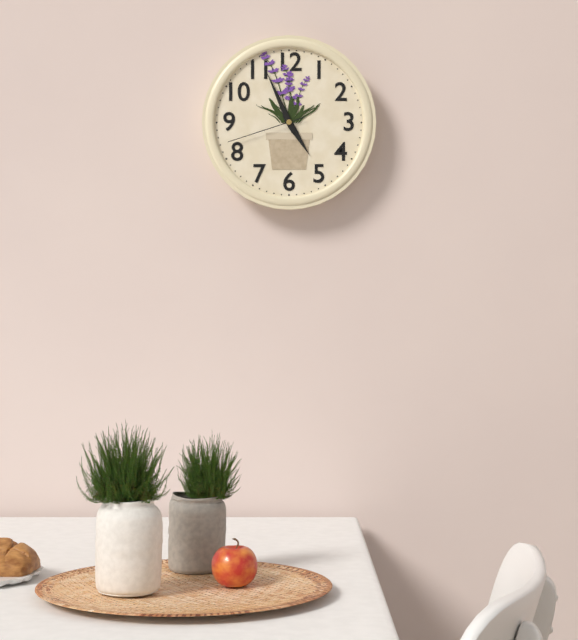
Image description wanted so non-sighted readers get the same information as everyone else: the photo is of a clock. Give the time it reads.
4:56:42
